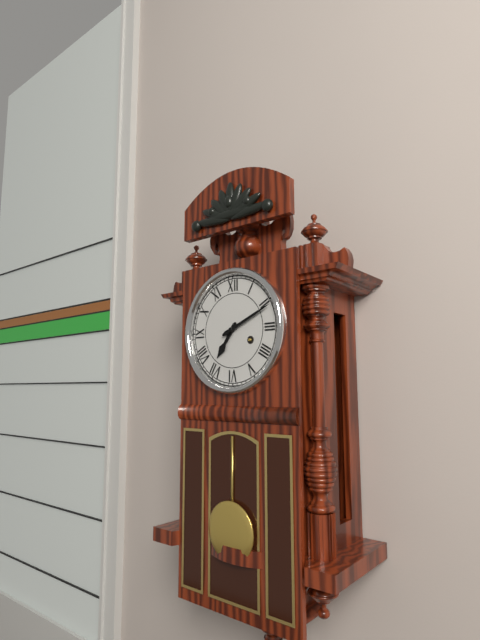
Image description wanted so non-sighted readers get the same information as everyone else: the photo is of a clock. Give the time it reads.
7:11
